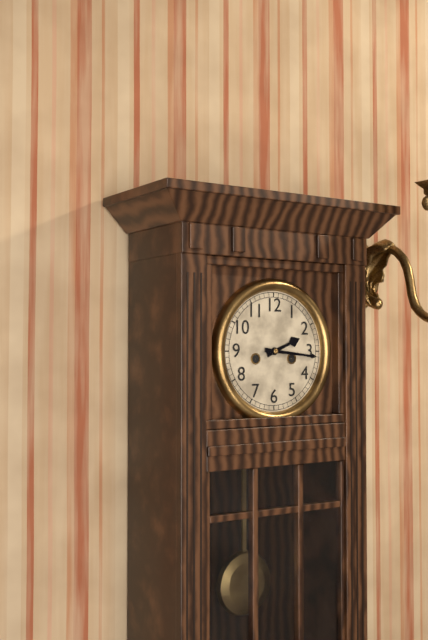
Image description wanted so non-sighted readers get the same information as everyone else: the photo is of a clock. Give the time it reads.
2:16
